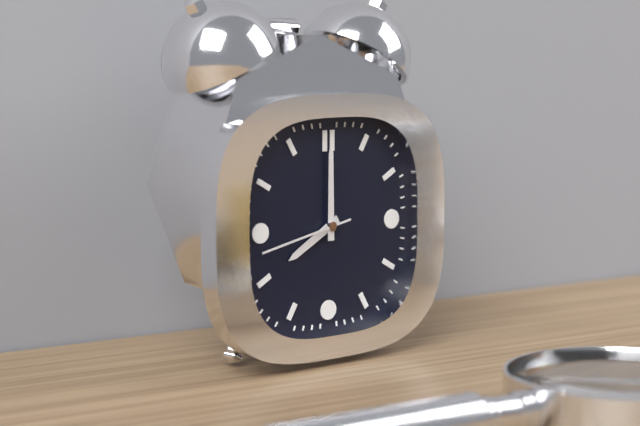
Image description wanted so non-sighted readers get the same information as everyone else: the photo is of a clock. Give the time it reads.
8:00:43
